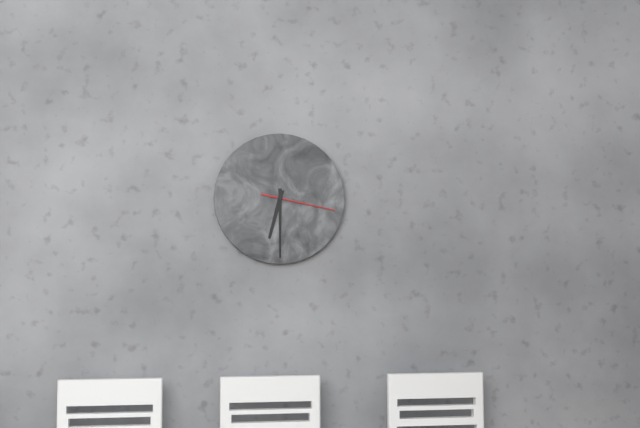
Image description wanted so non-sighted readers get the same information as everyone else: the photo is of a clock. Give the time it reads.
6:30:17
